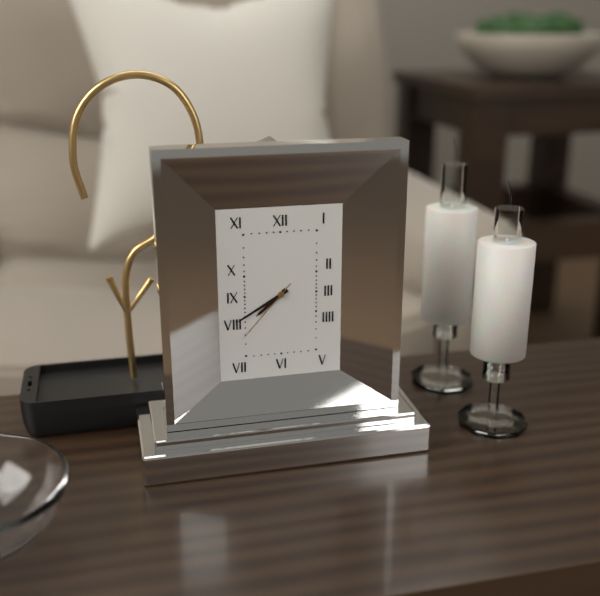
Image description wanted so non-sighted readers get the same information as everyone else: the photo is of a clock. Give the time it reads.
7:40:37
